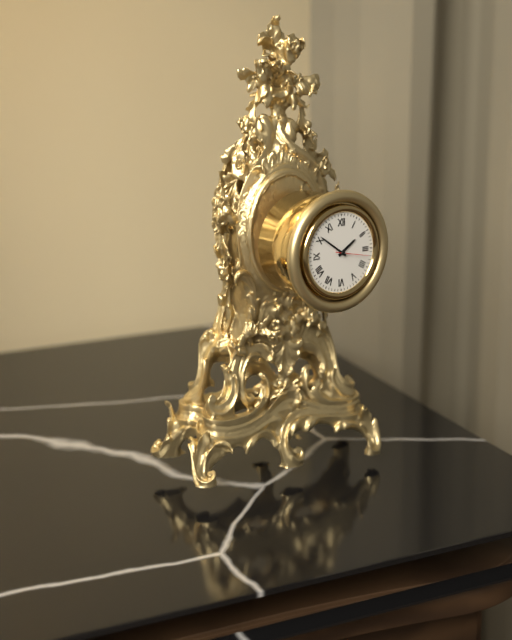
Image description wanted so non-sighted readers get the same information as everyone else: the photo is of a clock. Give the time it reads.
1:51
